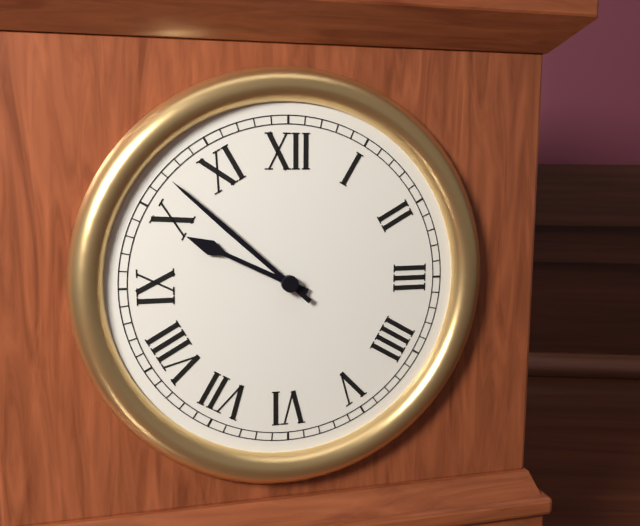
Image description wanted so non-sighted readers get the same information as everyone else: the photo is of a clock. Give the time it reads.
9:52
